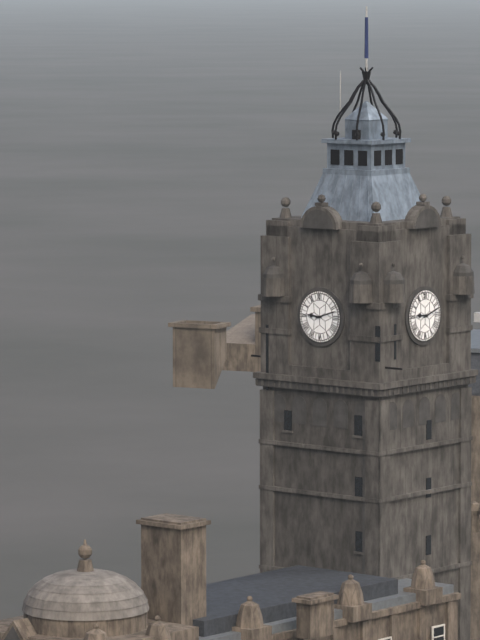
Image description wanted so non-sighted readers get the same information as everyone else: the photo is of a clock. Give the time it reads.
9:12
